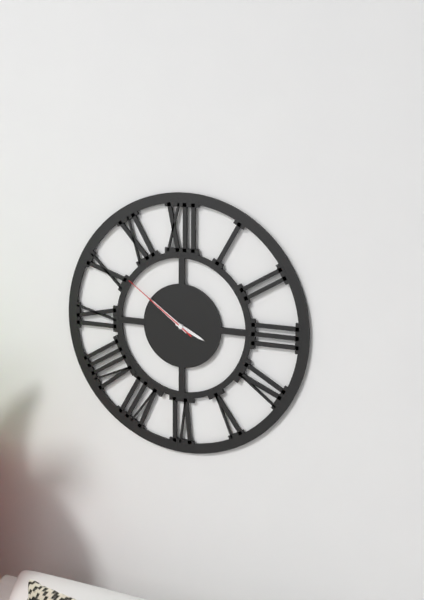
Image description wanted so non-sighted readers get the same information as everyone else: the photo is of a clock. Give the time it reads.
3:51:51
